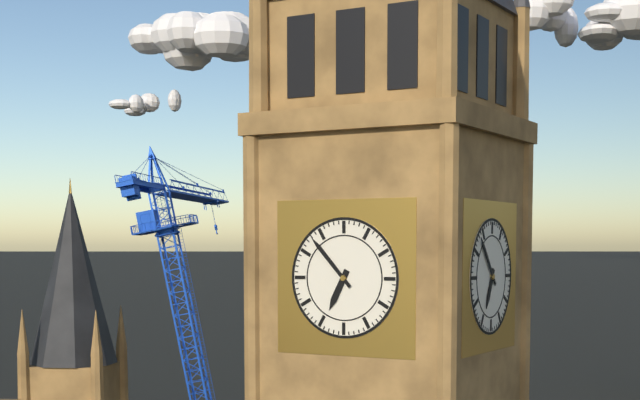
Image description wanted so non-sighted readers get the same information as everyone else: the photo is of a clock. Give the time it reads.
6:53
